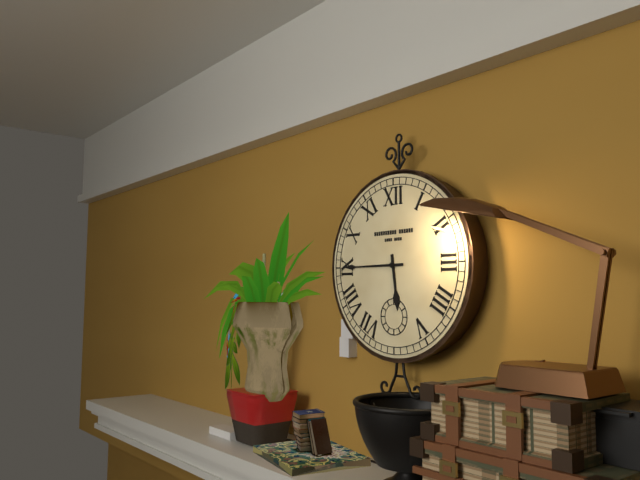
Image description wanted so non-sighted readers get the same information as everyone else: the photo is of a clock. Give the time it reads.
5:45
